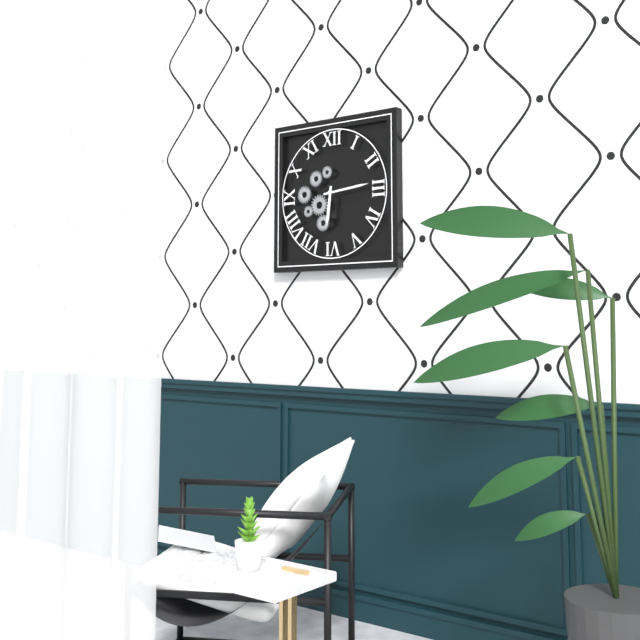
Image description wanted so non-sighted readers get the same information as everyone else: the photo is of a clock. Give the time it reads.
6:14
